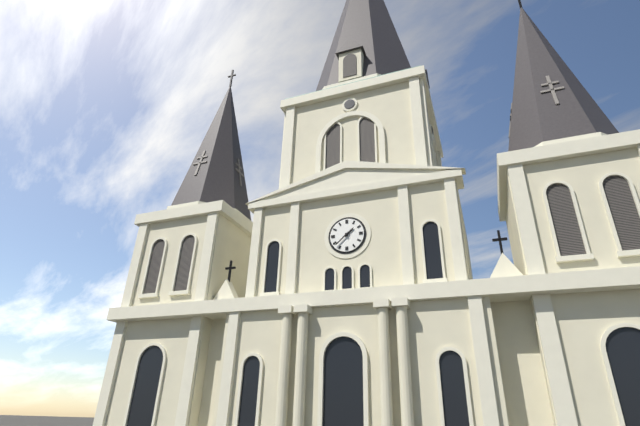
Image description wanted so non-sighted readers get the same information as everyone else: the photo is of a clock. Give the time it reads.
1:38
